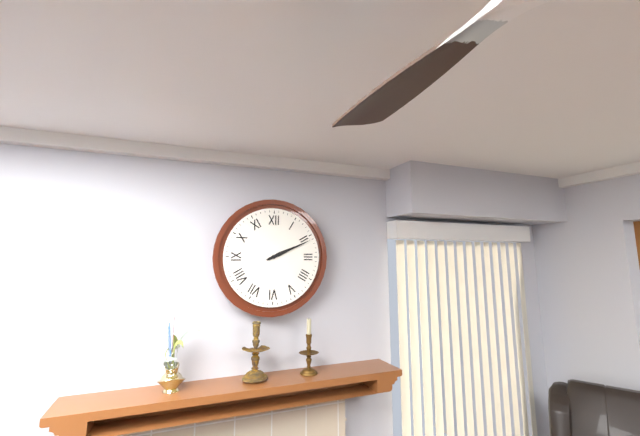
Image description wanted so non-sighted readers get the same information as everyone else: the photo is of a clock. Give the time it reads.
2:11
